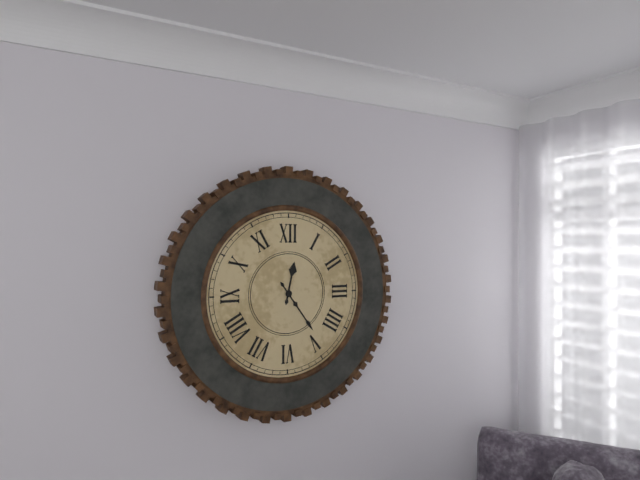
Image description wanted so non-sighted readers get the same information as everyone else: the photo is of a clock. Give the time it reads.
12:24
